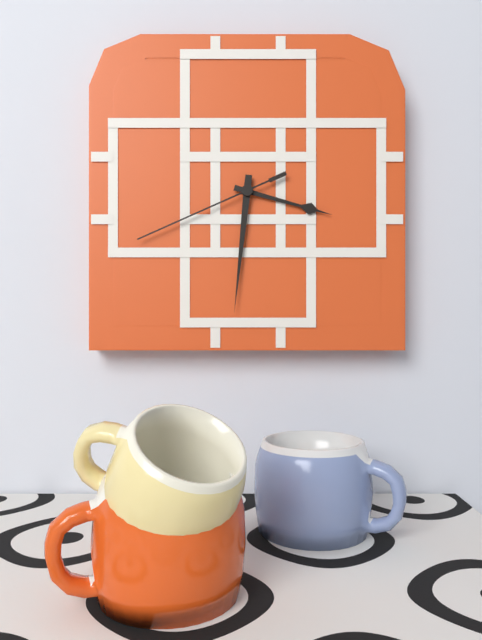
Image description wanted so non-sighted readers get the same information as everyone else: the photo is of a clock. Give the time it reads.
3:31:41
